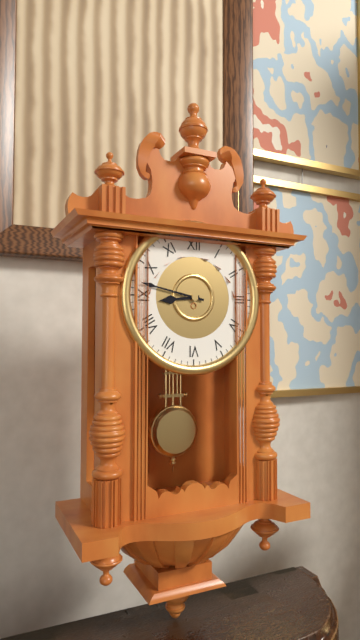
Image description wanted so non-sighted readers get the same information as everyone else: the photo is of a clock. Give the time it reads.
8:47
